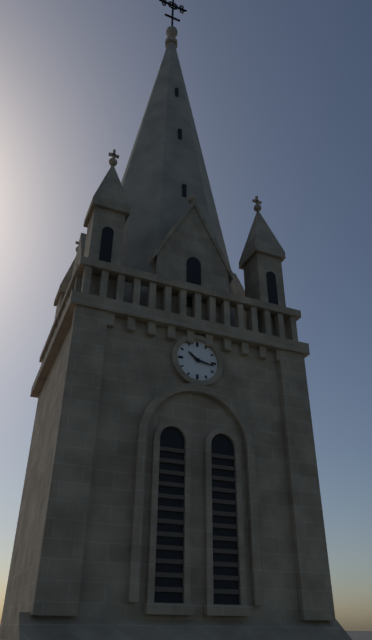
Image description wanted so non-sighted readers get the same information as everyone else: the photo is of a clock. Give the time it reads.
10:17
